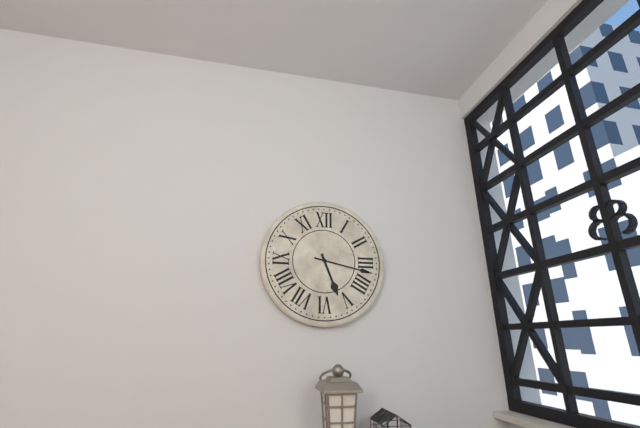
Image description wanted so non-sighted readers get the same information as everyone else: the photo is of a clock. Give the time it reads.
5:17
